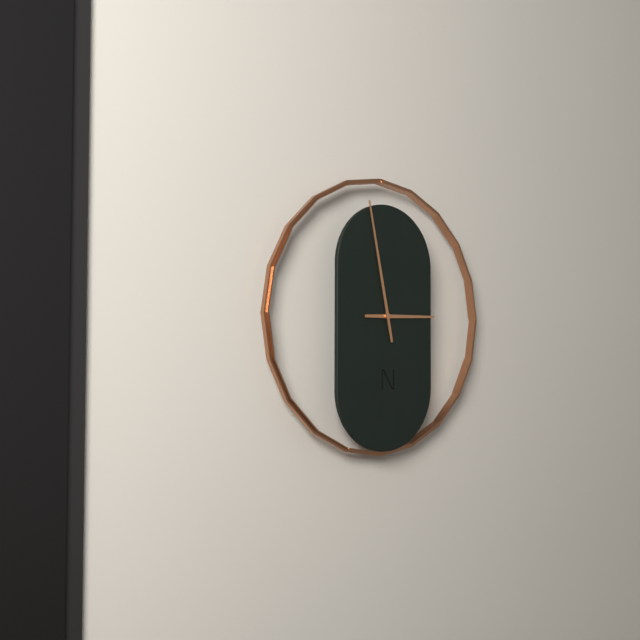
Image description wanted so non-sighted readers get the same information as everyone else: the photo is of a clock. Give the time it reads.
2:58
